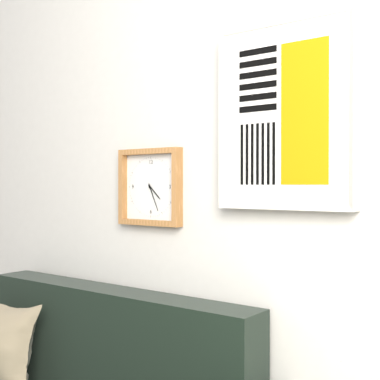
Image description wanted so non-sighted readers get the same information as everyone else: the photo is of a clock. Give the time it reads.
4:26
